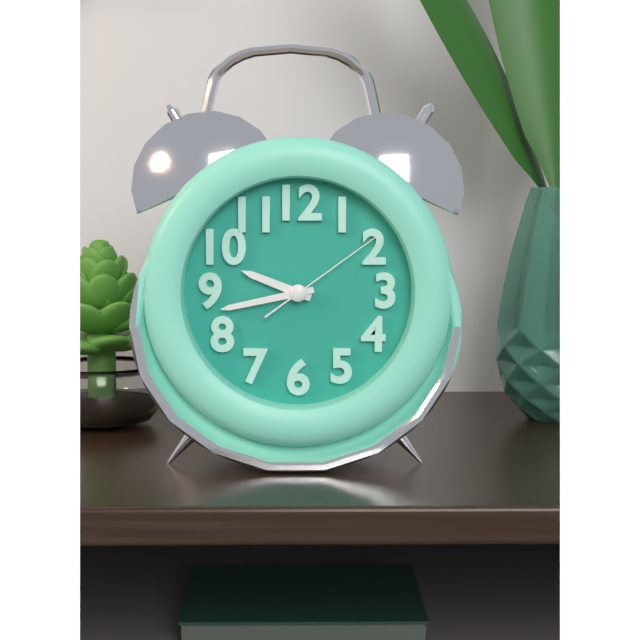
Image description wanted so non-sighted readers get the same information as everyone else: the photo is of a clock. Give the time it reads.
9:43:09
